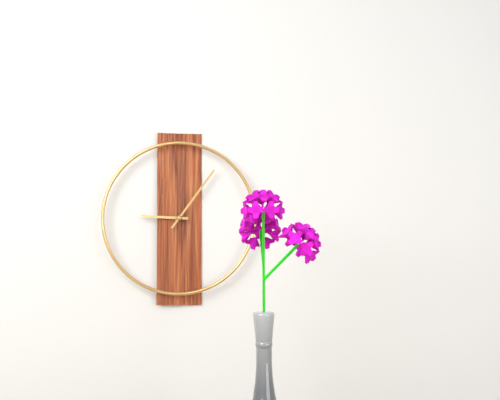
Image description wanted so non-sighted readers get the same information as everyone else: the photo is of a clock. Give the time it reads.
9:06
